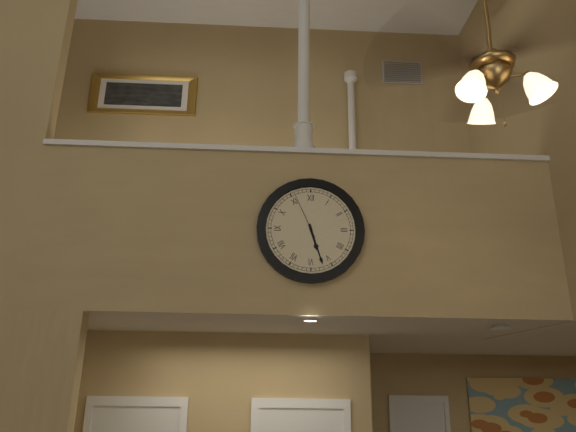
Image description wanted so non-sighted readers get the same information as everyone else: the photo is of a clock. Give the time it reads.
5:27
